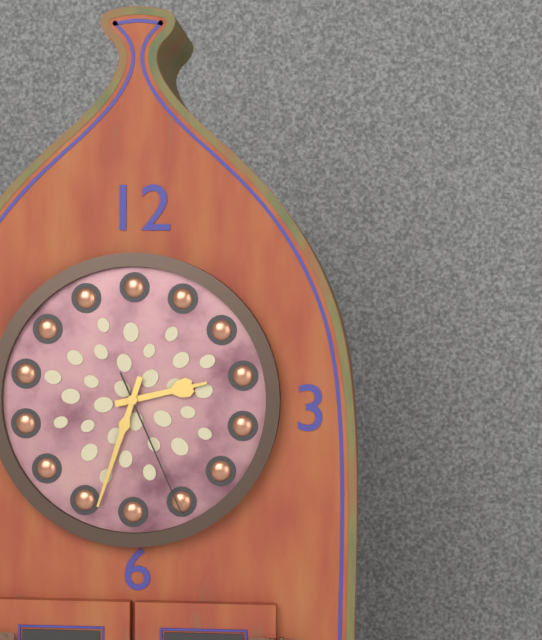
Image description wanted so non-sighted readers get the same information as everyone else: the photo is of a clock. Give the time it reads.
2:33:26
